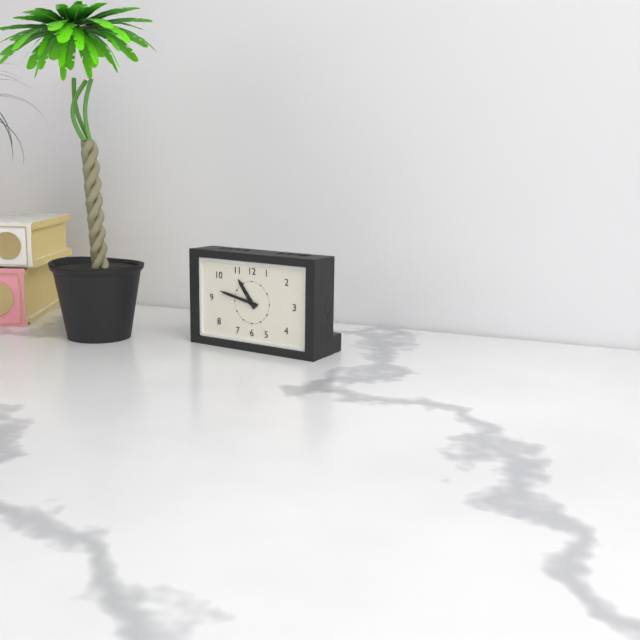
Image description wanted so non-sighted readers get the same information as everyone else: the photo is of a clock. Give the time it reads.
10:47
